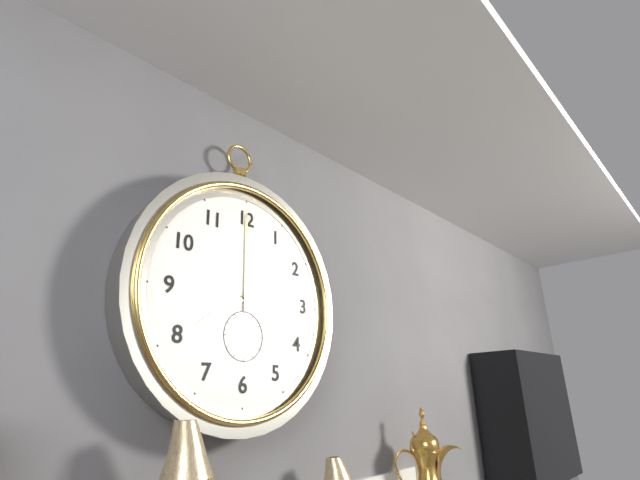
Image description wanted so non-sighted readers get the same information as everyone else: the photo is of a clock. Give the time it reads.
8:00
